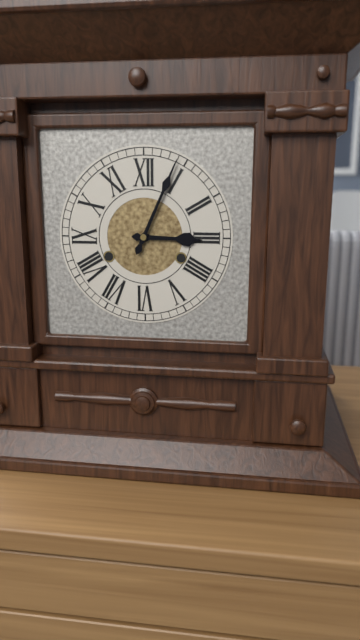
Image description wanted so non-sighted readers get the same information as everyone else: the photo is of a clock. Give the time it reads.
3:04
